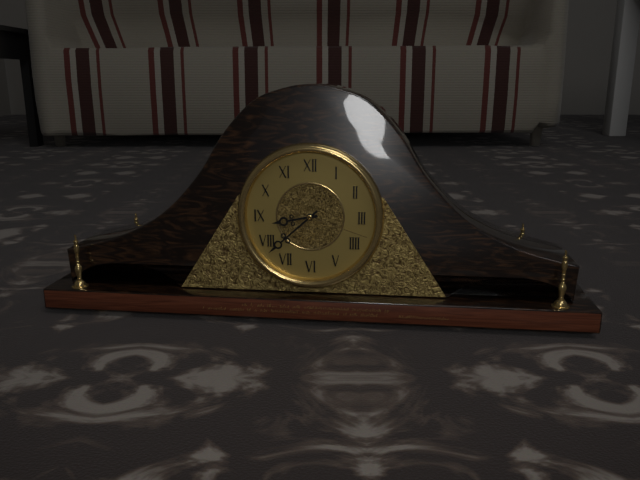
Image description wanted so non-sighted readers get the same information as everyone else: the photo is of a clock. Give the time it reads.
8:38:18
